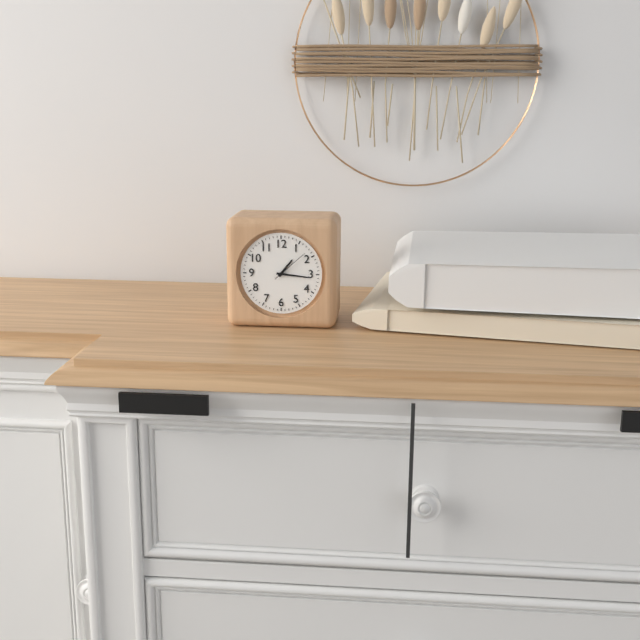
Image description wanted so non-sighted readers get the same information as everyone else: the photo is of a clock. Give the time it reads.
1:16
